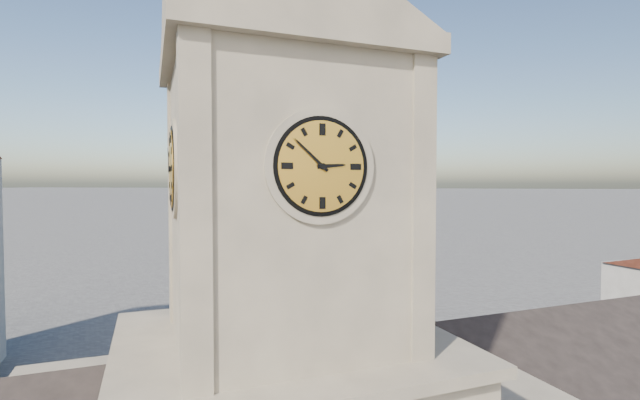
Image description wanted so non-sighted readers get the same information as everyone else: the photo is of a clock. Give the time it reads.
2:52
